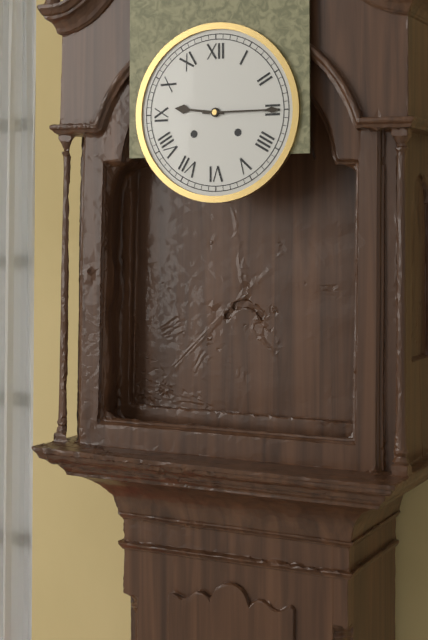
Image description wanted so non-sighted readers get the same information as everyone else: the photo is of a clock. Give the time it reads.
9:15
